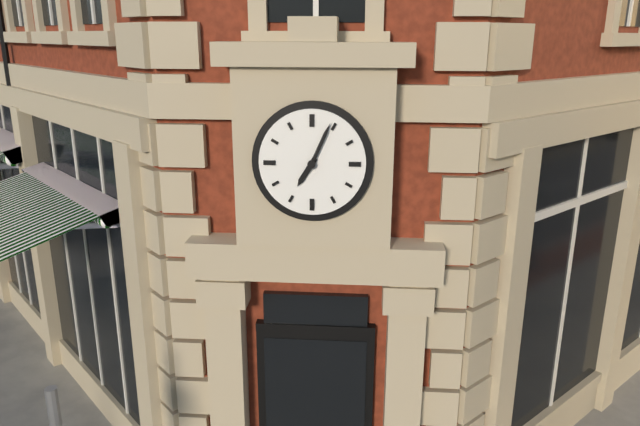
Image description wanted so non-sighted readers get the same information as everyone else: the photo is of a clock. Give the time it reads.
7:04
